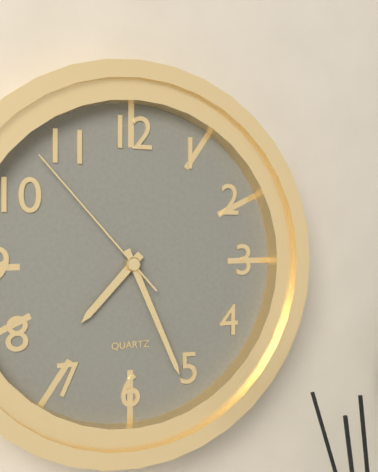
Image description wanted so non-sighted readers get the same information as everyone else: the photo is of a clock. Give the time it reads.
7:26:53
